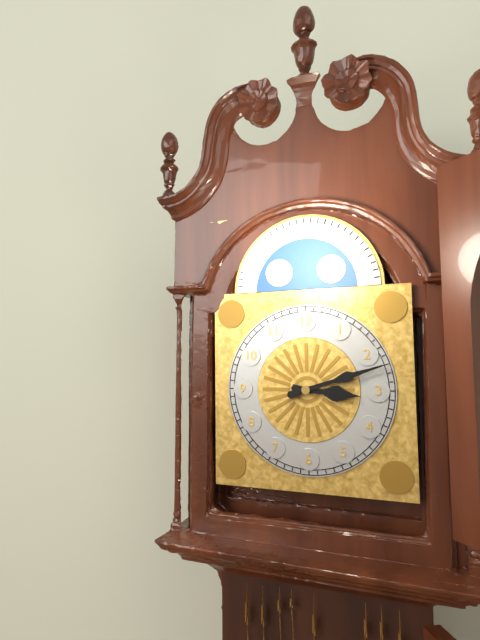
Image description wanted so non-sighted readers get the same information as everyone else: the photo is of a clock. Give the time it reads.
3:12
